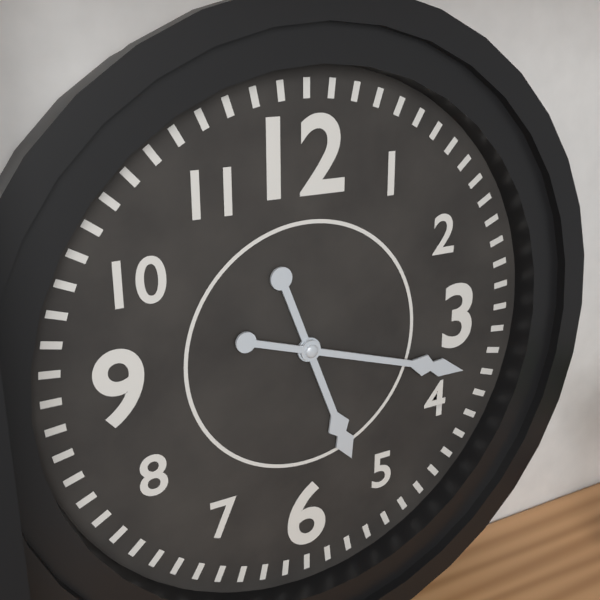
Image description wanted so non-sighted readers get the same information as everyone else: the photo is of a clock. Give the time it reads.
5:18
